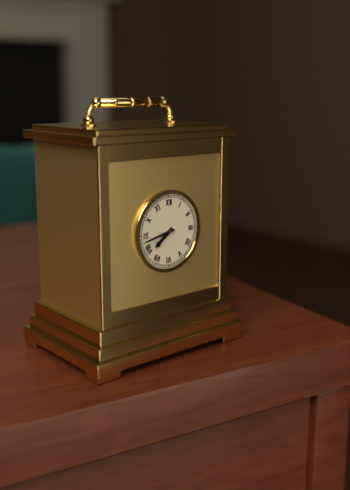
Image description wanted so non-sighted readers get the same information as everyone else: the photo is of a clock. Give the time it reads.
7:43
